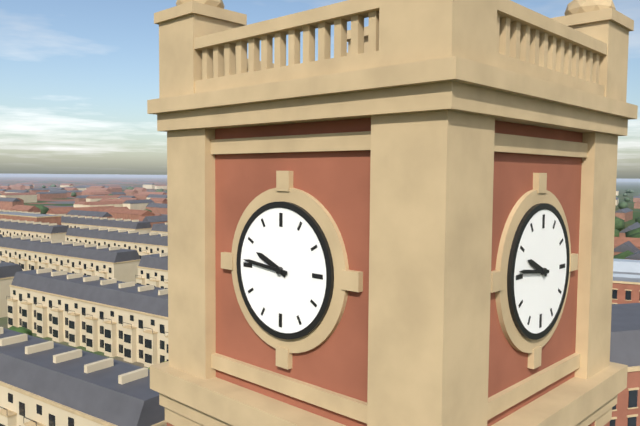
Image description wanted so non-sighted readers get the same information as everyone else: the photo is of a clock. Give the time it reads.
9:46
